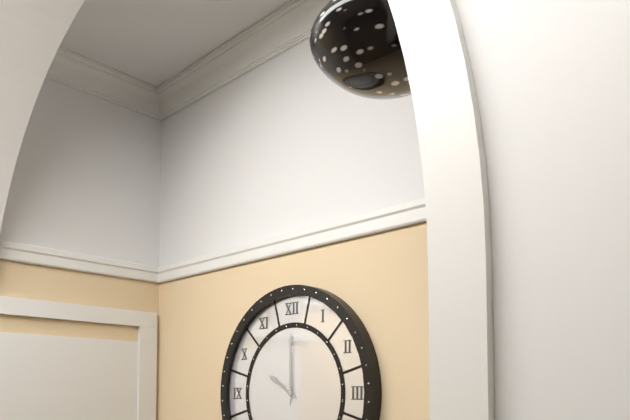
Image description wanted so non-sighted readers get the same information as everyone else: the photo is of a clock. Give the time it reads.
10:00
